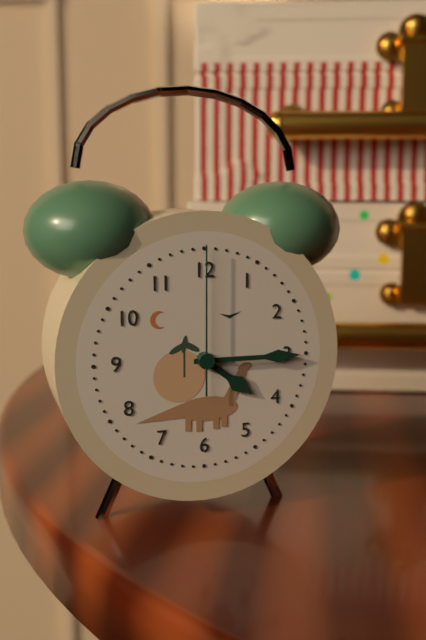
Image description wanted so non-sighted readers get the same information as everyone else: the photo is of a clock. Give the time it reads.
4:15:00
